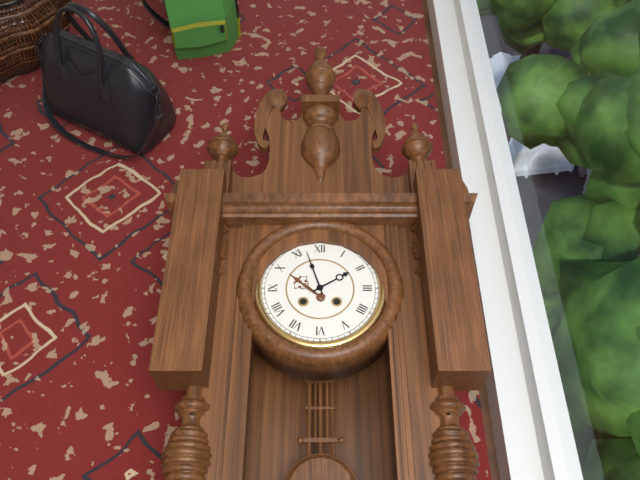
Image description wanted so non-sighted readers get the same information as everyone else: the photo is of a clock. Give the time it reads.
1:57
